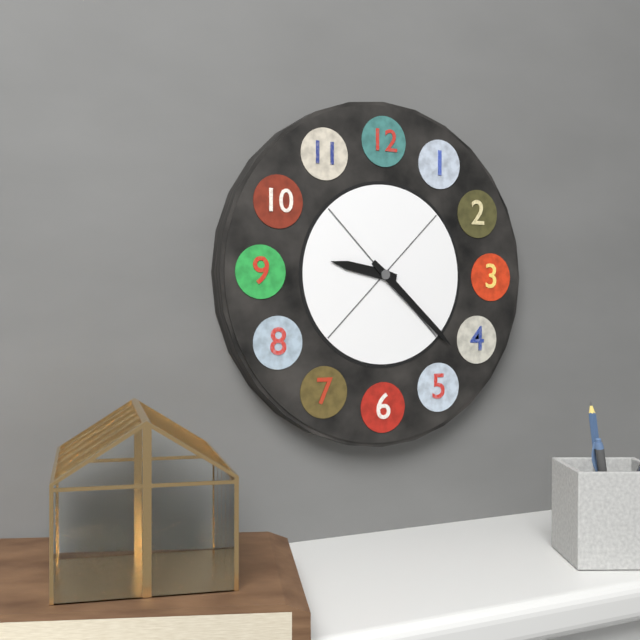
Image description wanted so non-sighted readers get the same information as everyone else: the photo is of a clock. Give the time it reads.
9:22
